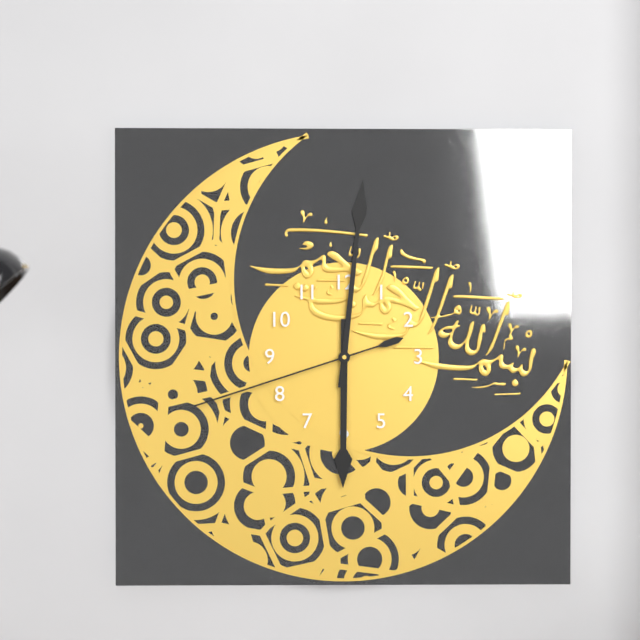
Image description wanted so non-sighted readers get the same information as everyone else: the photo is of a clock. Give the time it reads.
6:01:42
